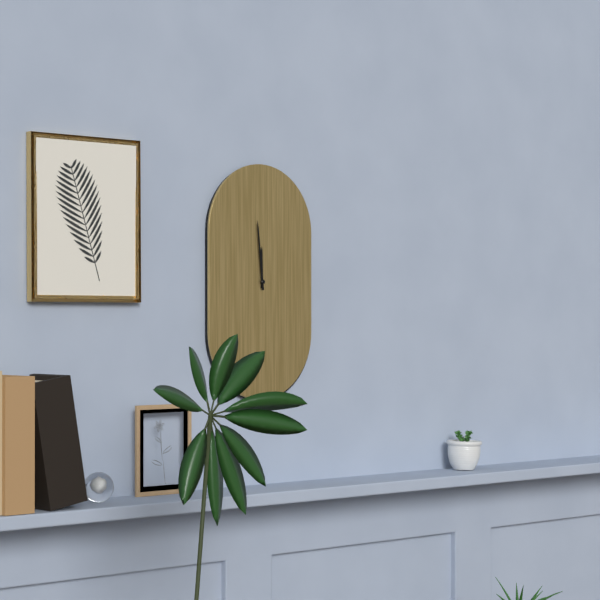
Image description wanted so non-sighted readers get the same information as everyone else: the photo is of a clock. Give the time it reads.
11:59
